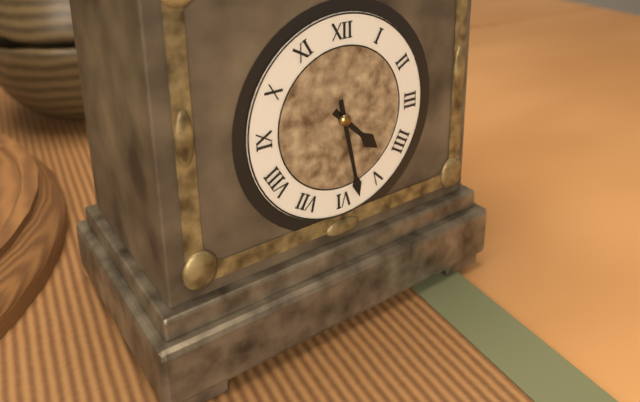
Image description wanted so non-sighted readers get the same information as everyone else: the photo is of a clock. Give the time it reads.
4:28
